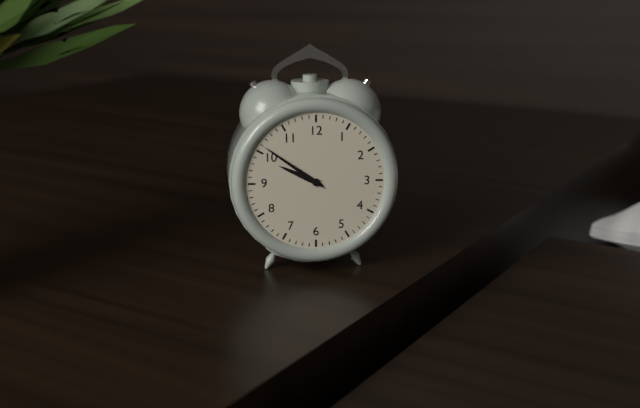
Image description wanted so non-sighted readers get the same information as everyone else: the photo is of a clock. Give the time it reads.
9:51
